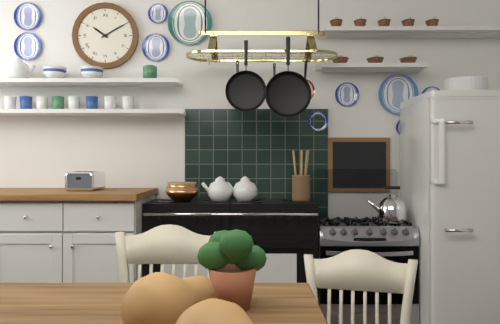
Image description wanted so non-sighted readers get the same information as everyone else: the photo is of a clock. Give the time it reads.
10:10
